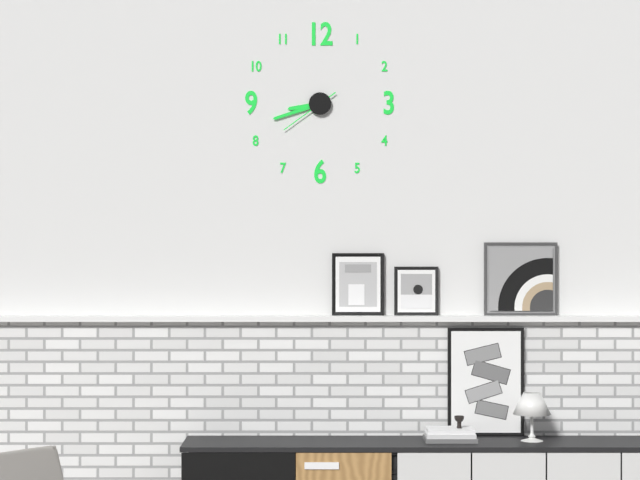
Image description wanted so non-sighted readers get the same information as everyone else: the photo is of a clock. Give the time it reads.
8:42:39
